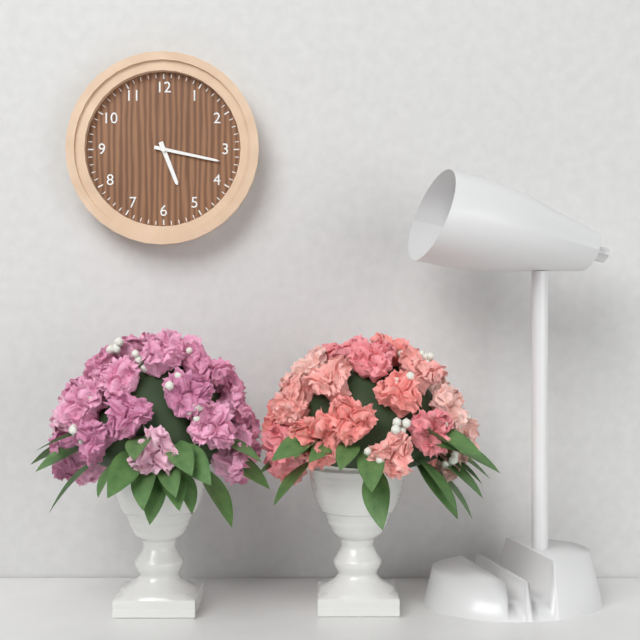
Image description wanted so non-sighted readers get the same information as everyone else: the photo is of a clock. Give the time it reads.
5:17
